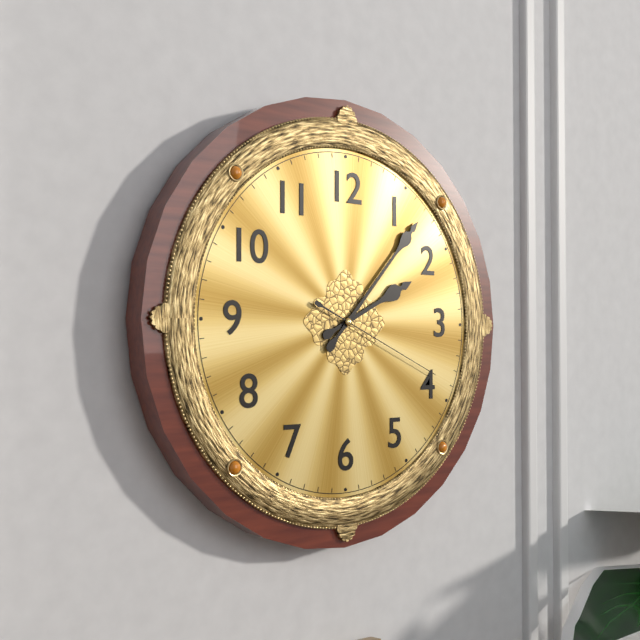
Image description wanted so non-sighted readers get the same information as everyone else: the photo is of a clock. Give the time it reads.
2:07:19
